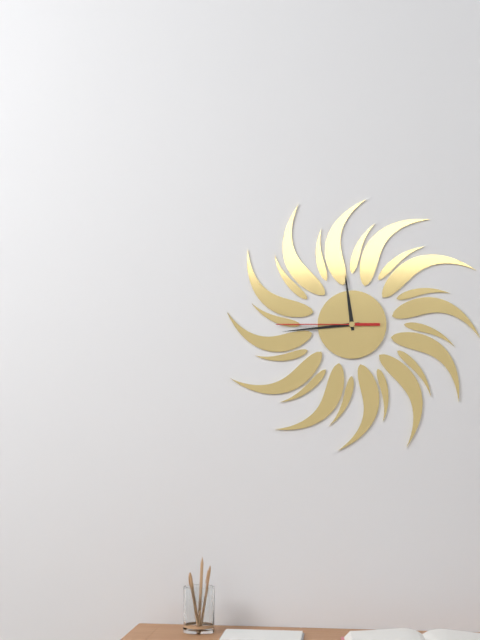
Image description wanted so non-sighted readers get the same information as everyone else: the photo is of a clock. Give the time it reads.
11:44:45
